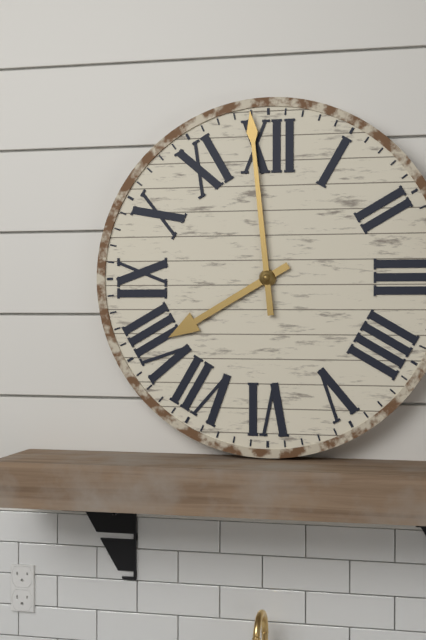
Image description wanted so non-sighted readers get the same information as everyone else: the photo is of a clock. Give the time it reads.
7:59
